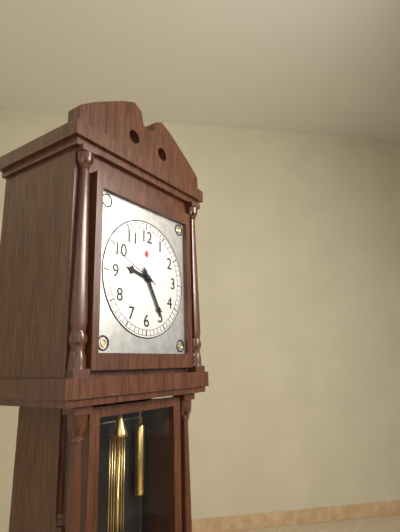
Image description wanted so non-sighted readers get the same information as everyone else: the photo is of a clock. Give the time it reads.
9:25
